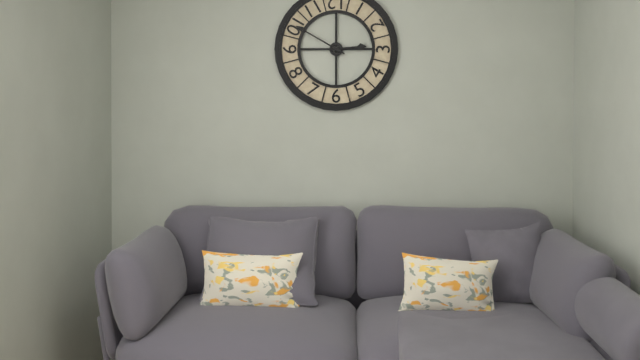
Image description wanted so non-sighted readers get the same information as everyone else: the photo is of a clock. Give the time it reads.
2:50
